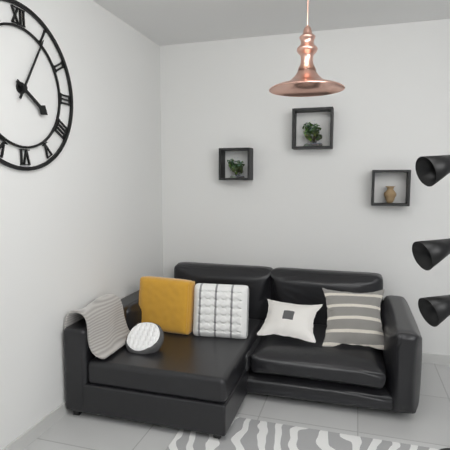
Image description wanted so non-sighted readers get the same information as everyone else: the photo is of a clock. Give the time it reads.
4:05
